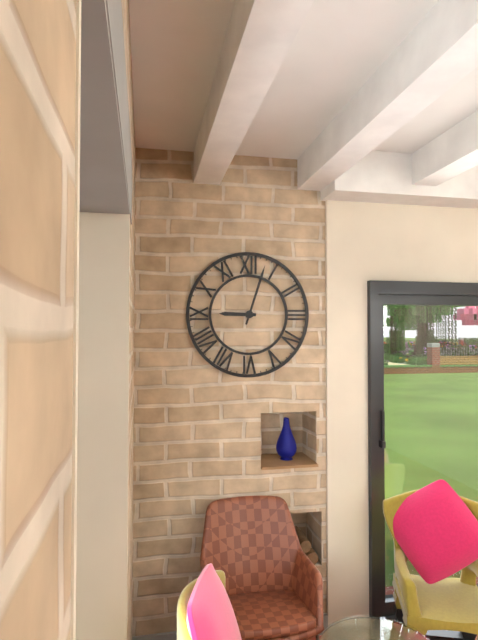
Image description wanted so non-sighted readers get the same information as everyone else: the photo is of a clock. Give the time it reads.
9:03
